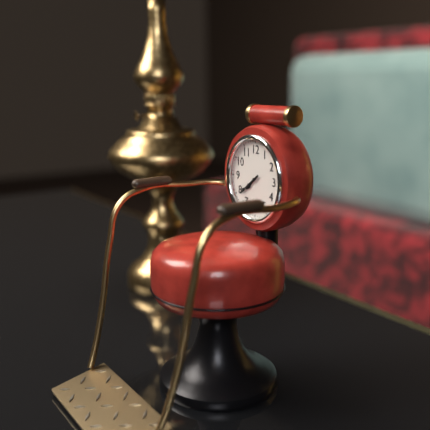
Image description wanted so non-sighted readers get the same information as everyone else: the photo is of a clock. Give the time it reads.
7:39
